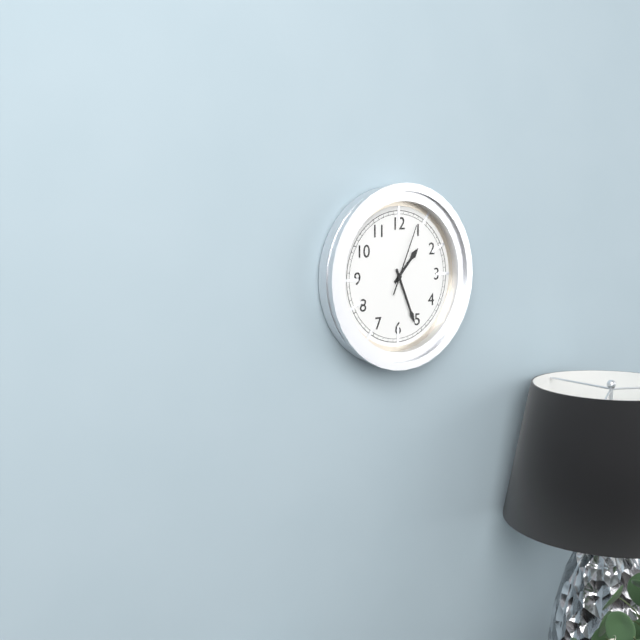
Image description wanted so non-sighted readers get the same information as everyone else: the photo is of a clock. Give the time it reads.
1:26:04
